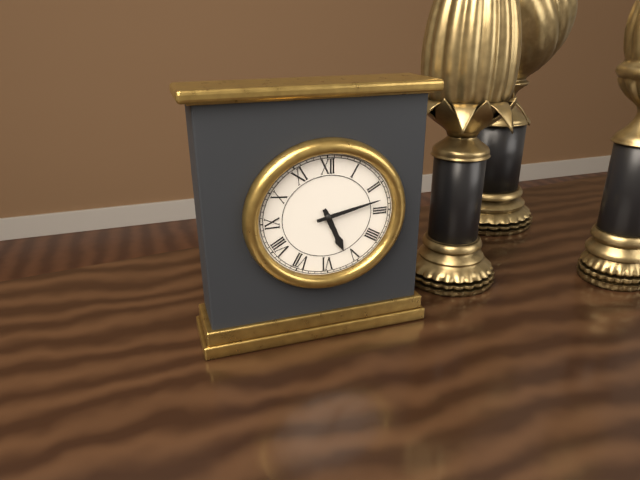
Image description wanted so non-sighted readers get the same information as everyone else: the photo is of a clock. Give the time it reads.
5:13
